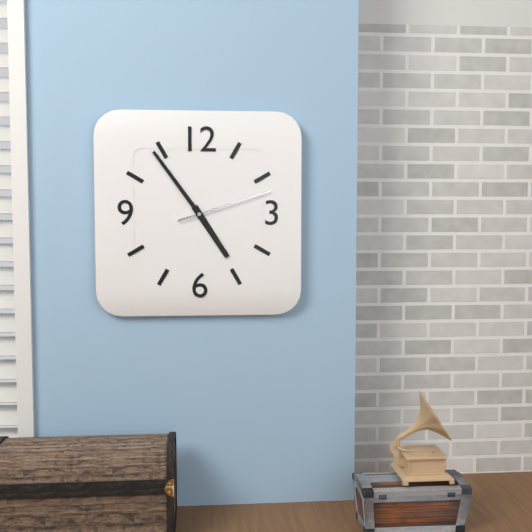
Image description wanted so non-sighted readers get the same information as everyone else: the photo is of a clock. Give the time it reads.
4:54:12
